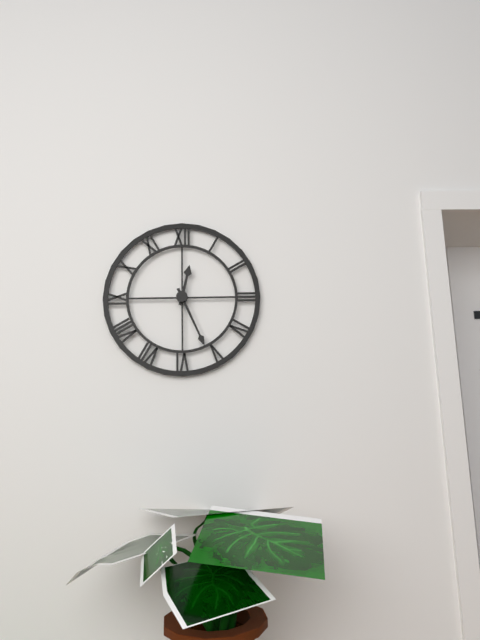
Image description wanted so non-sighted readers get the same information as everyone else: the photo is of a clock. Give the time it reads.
12:26
